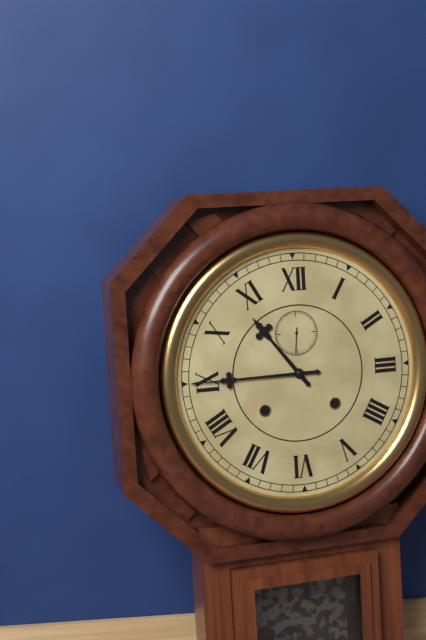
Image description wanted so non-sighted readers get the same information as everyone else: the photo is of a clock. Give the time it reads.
10:45
